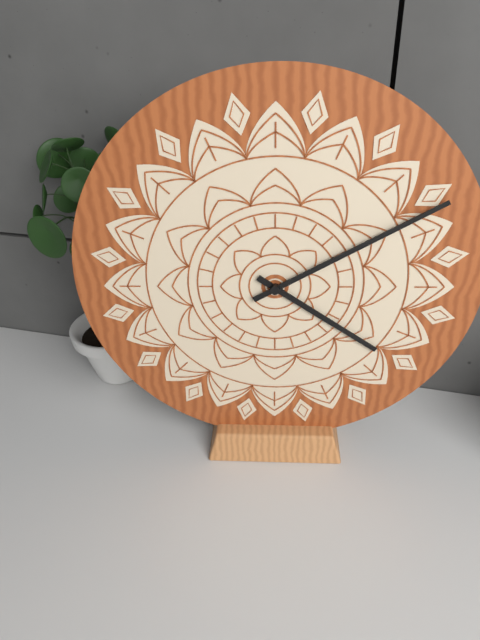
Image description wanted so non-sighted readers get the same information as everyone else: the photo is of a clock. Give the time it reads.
4:10
